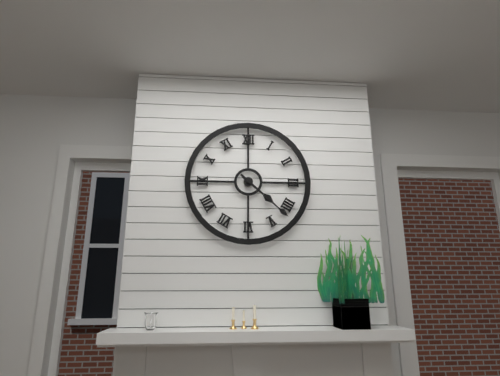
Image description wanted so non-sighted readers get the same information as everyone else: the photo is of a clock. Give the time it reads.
4:22
